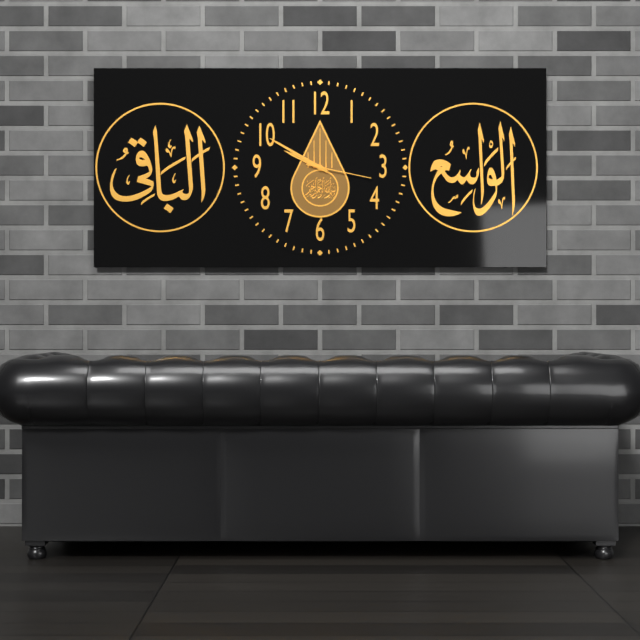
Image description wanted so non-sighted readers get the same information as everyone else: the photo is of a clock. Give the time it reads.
9:50:17
